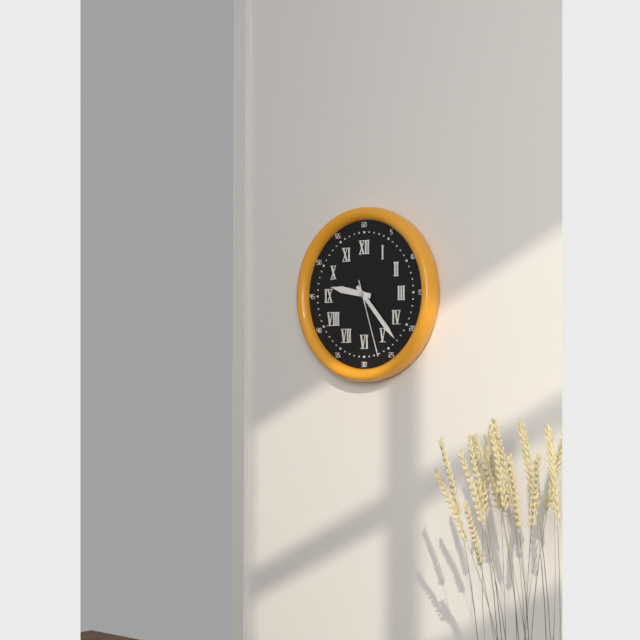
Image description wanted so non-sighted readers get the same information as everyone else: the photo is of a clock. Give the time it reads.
9:23:27
